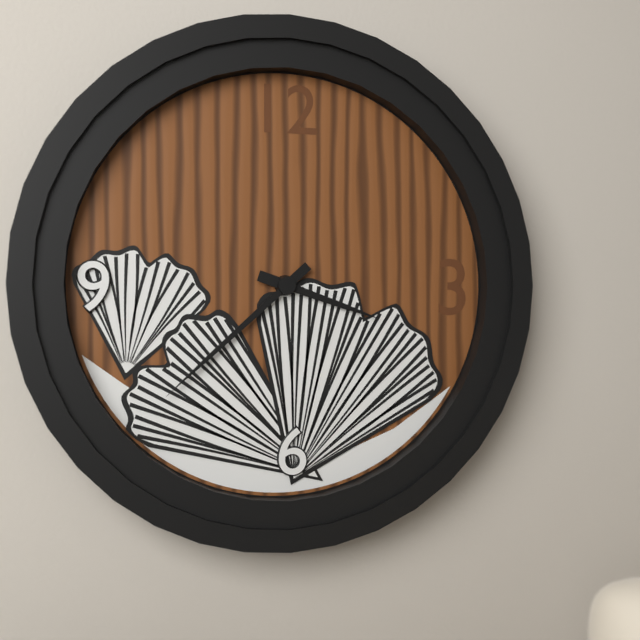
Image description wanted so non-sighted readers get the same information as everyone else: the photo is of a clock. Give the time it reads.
3:38
